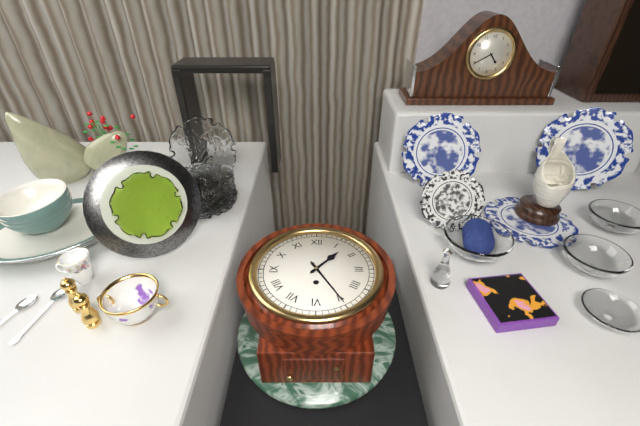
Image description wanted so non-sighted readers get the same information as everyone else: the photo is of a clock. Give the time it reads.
1:25
